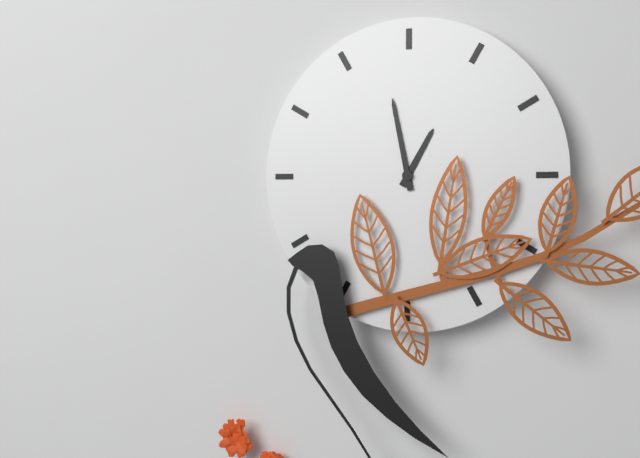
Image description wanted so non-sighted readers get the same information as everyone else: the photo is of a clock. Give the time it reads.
12:58
